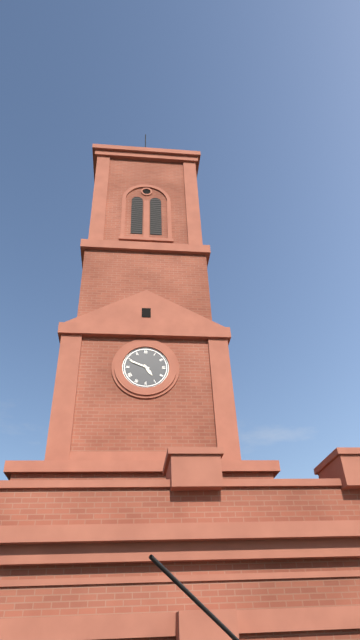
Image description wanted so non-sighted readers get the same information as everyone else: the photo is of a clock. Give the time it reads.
4:49
